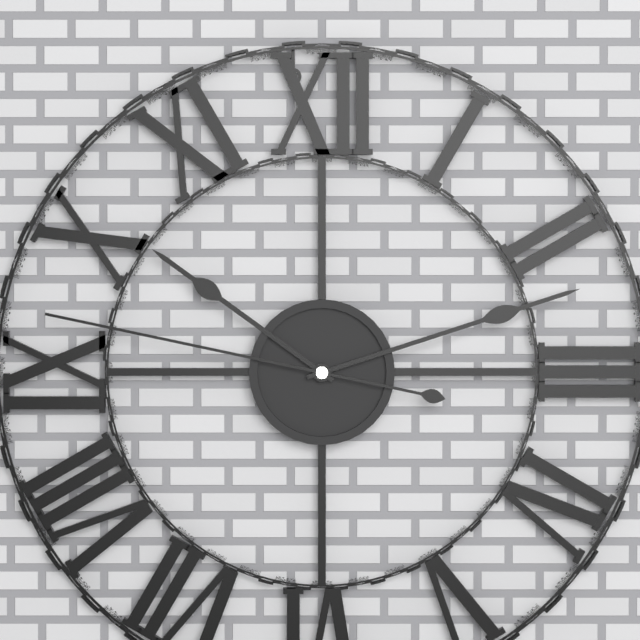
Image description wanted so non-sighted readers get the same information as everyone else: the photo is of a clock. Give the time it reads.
10:12:47
